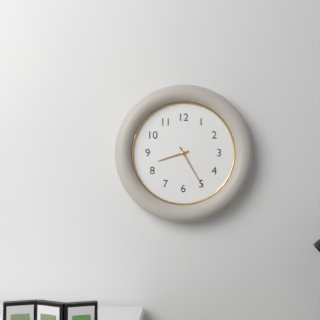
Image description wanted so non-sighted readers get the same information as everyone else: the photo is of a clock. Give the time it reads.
8:25
